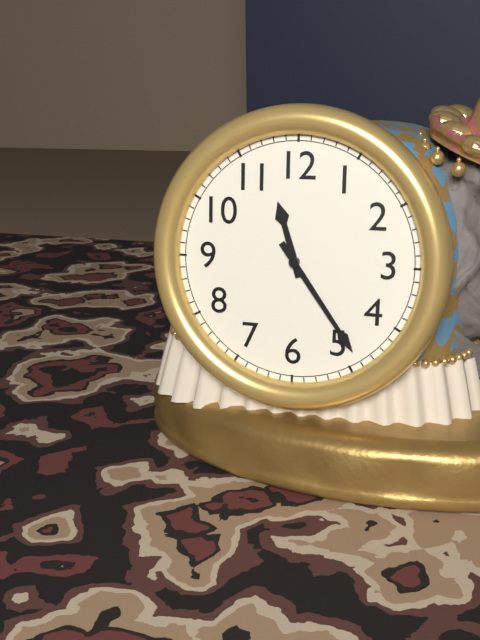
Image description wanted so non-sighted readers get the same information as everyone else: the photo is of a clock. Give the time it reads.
11:24
